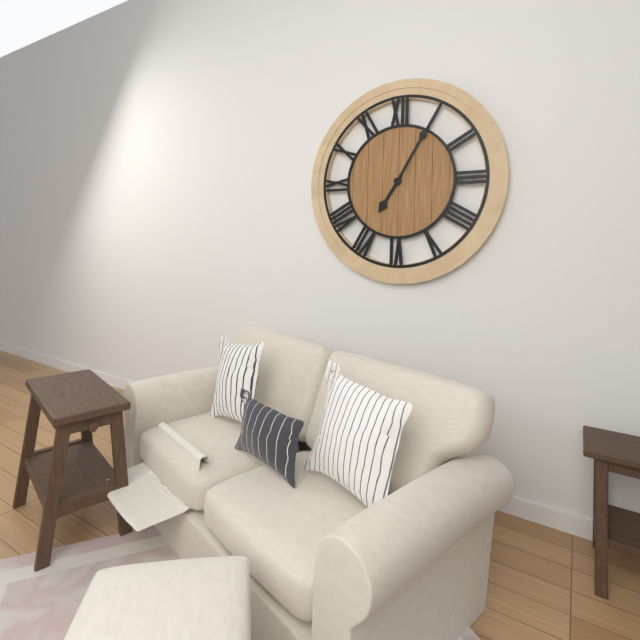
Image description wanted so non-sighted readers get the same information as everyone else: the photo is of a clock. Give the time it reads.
7:05
